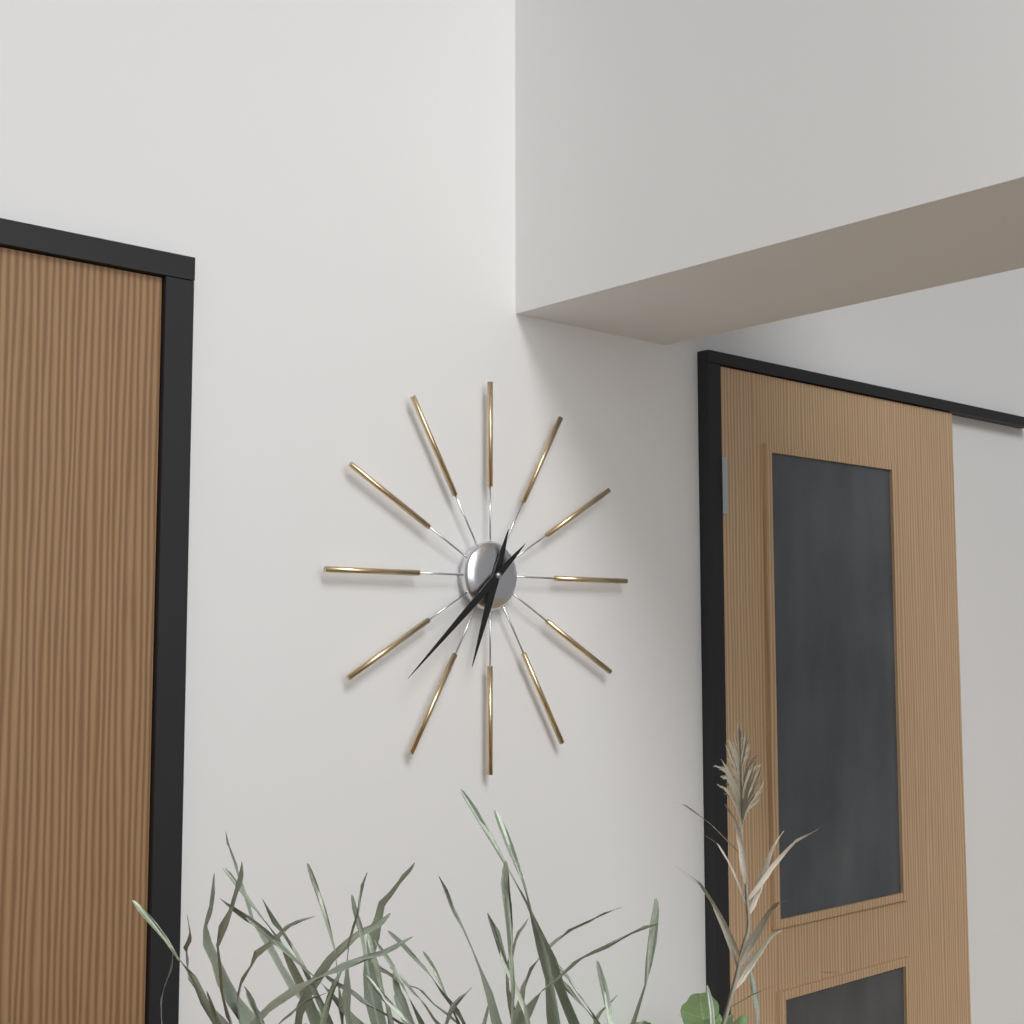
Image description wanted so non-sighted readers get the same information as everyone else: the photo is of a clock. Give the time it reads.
6:38
